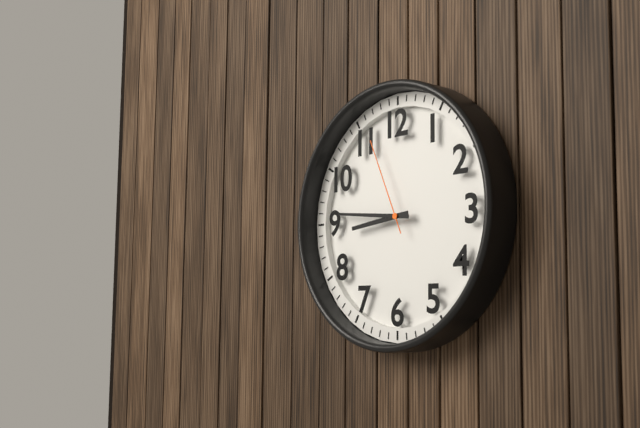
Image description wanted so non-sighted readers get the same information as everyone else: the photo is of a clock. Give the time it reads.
8:46:56
